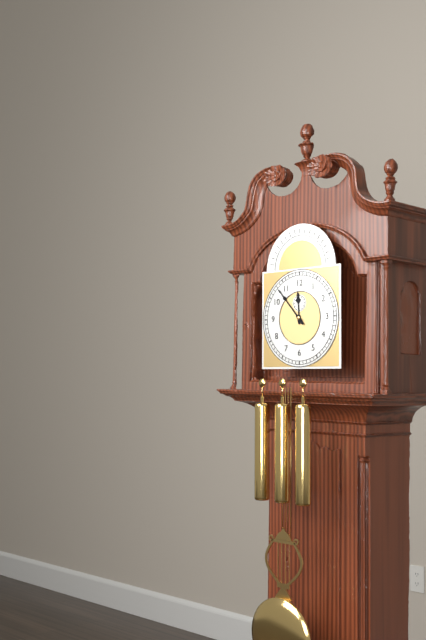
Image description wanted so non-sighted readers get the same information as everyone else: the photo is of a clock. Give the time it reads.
11:53
